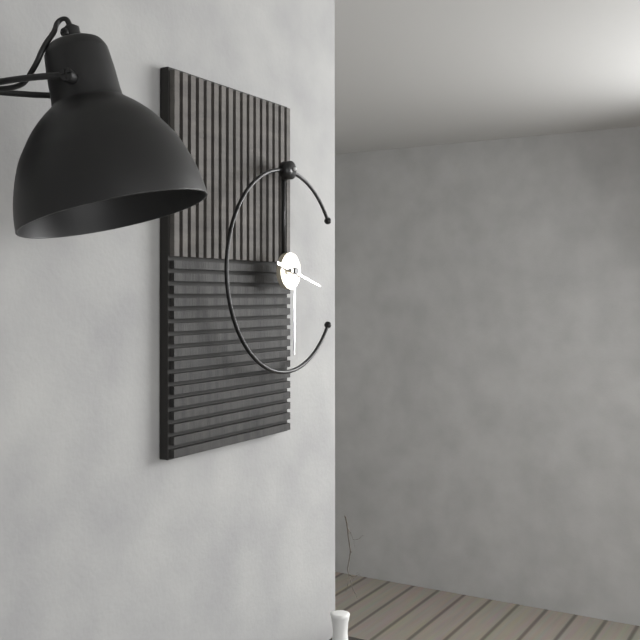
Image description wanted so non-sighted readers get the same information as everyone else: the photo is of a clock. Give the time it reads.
3:30
